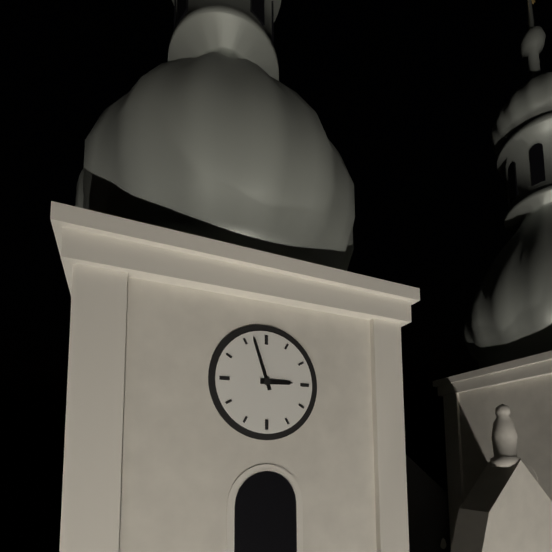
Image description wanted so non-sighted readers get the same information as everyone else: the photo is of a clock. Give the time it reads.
2:57
